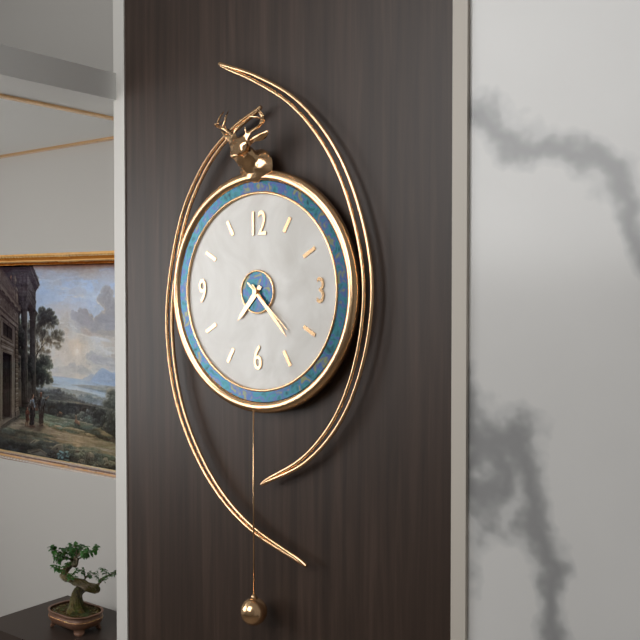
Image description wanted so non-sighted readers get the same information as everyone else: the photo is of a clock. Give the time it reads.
7:23:22
